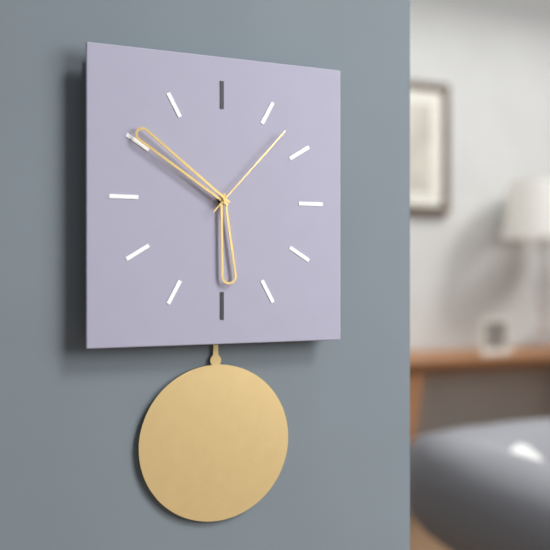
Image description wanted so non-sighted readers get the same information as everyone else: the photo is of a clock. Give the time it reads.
5:51:07
